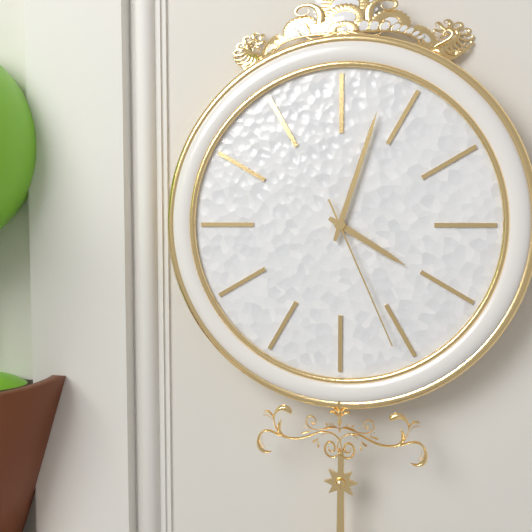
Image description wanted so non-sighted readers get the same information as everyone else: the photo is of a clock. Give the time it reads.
4:03:26
